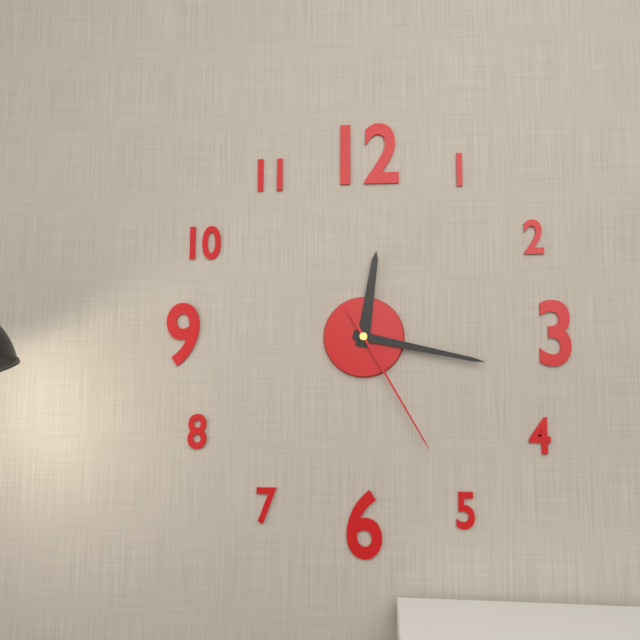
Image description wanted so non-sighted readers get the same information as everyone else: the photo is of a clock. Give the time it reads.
12:17:25
